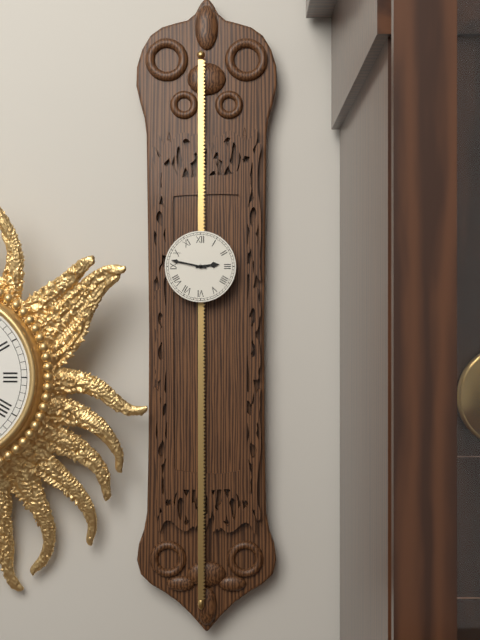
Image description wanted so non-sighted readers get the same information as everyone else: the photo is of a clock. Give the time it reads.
2:47
